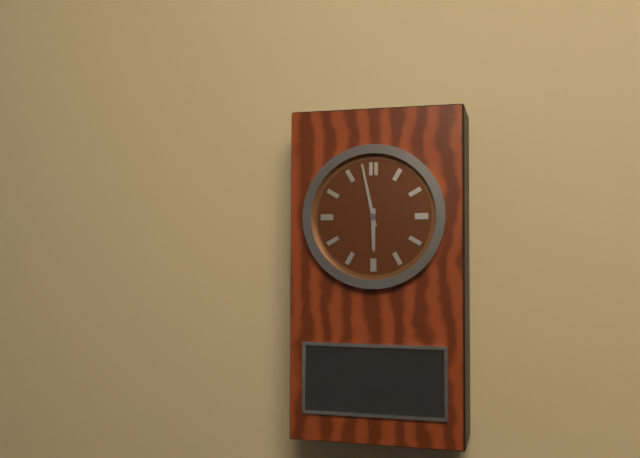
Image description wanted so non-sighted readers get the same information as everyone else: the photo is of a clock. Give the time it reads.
5:58
